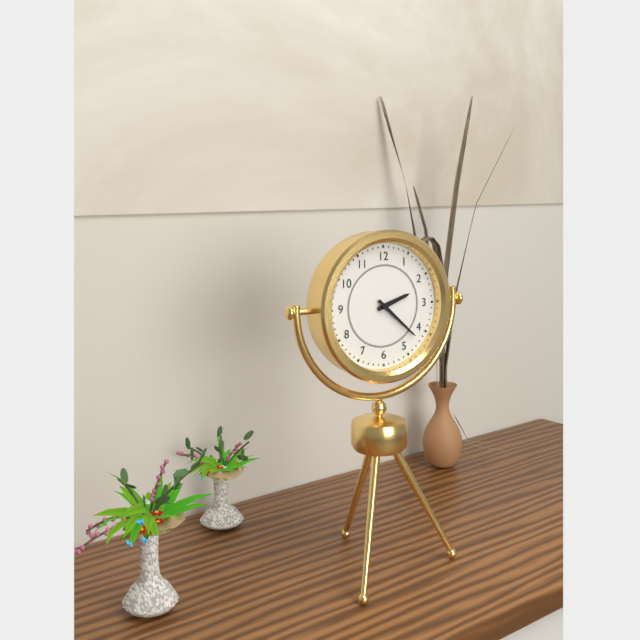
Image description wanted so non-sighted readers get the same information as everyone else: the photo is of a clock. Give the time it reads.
2:22
